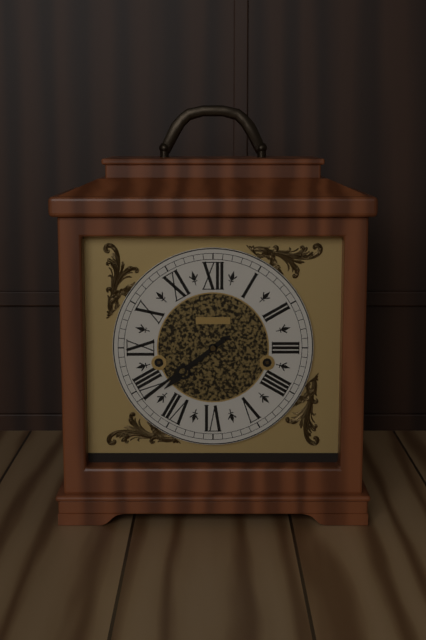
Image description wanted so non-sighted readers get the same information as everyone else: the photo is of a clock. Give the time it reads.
7:39
